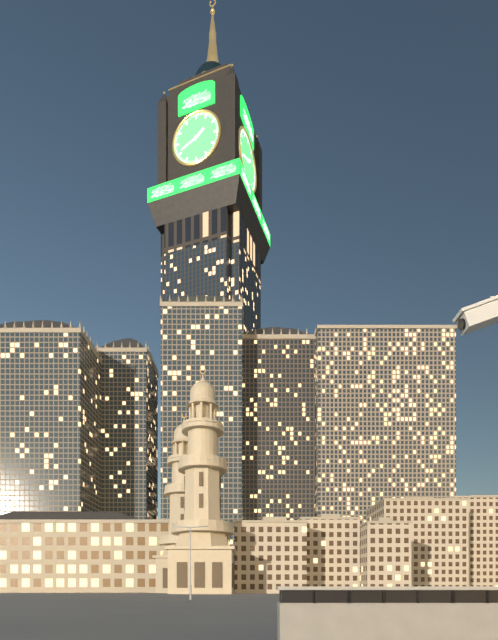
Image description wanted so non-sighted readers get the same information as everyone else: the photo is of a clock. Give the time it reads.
1:41
